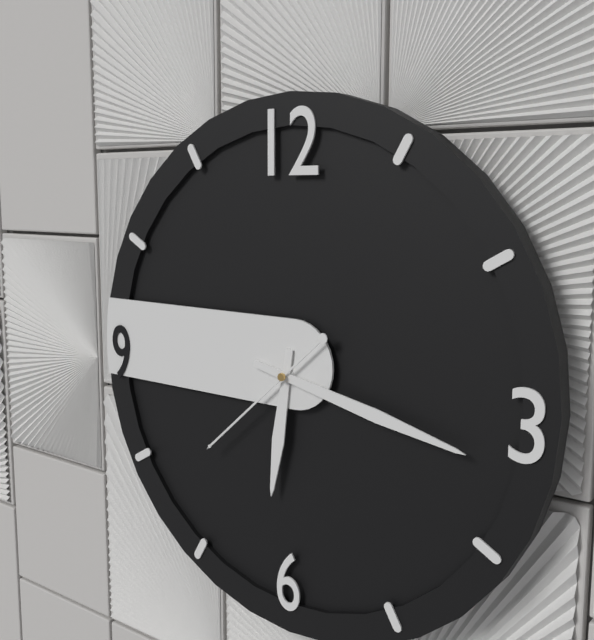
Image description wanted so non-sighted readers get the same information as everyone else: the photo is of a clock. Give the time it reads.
6:17:38
